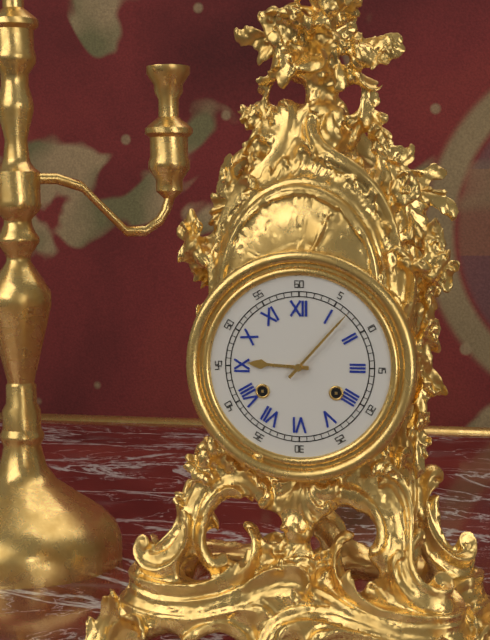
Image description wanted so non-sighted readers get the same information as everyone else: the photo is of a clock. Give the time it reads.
9:07
